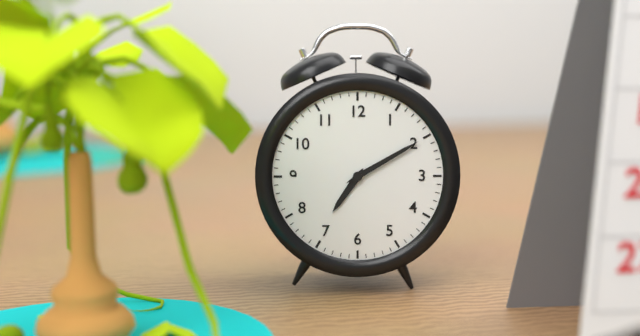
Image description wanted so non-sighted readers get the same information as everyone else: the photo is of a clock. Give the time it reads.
7:10
